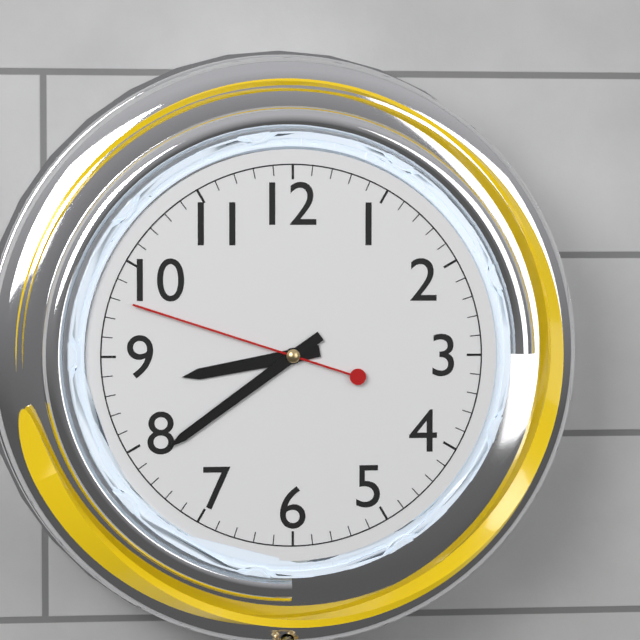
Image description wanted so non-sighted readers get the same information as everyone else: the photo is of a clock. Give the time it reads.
8:39:48
